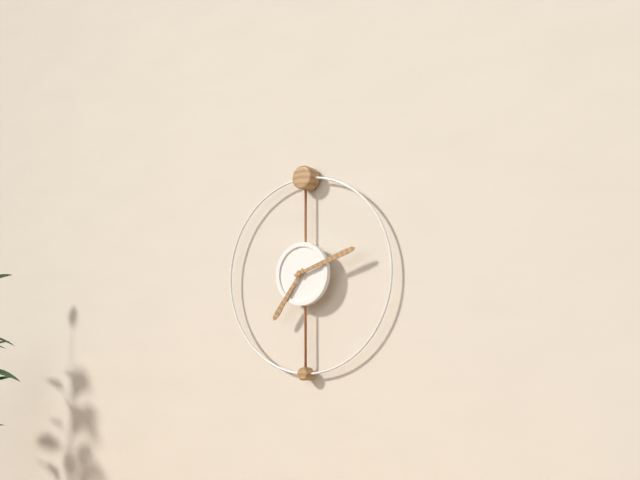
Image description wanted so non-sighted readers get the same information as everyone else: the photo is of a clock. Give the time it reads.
7:12
